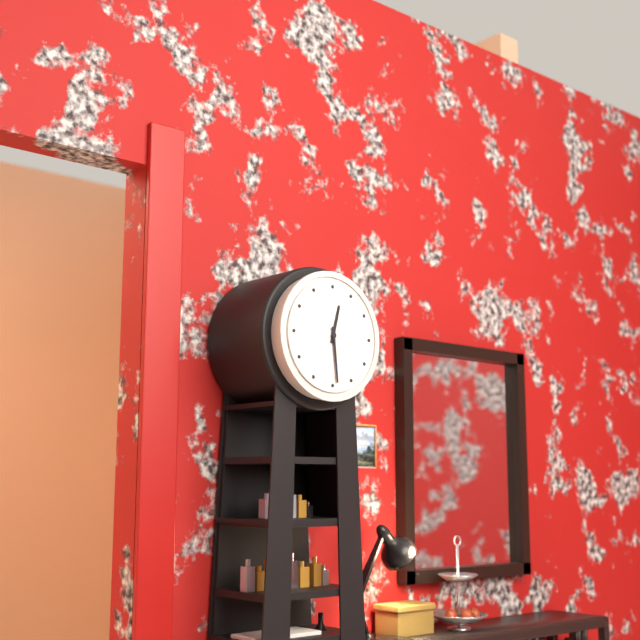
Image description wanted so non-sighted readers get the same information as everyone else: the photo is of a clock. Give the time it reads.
12:29
